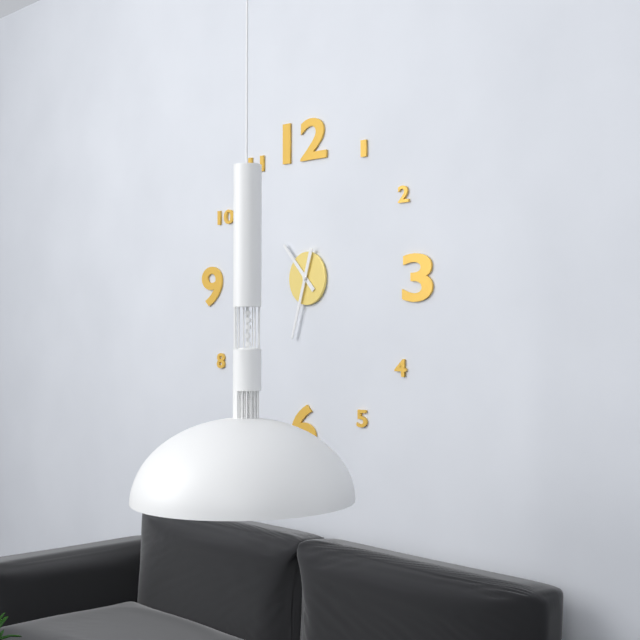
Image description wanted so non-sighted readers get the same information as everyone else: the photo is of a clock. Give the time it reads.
10:33
